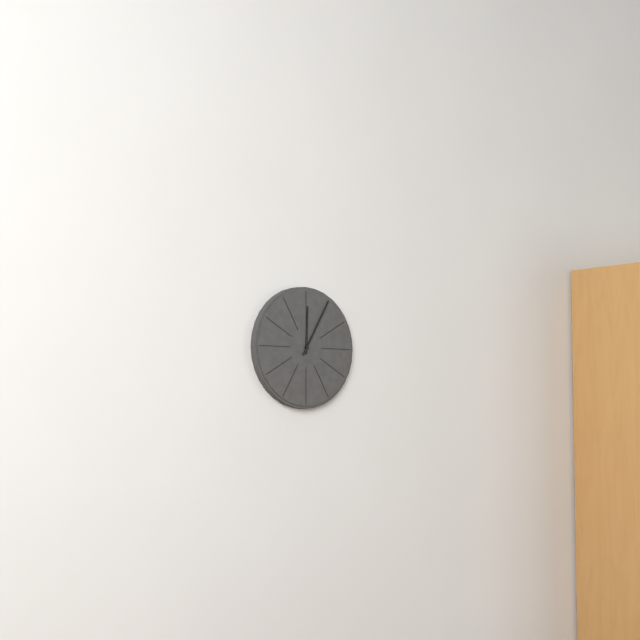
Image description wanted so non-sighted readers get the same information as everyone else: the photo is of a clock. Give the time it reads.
12:05
